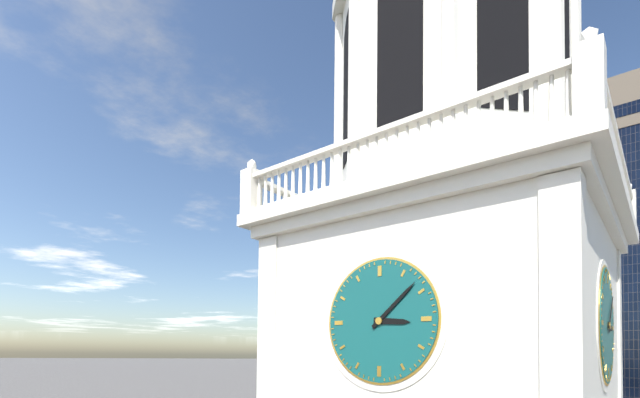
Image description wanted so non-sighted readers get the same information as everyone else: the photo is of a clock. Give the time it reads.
3:08
